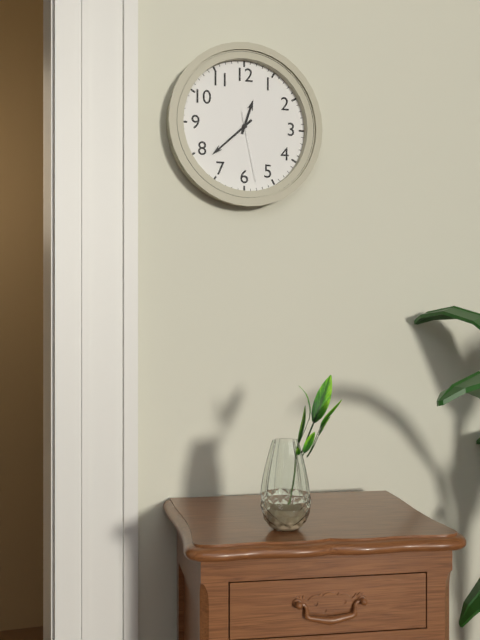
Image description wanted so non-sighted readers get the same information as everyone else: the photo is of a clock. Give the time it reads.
12:38:28
